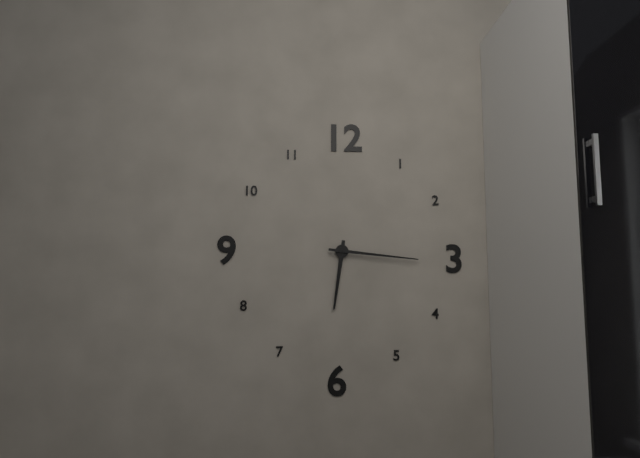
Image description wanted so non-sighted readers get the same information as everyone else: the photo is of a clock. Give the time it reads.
6:16
